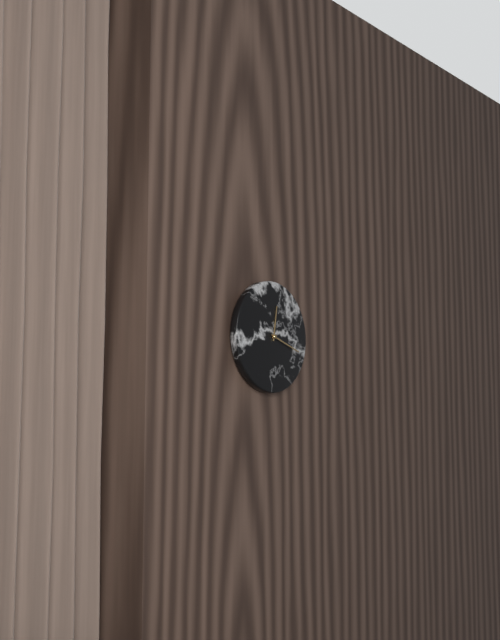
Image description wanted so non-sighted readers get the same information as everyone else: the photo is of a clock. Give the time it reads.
12:18
